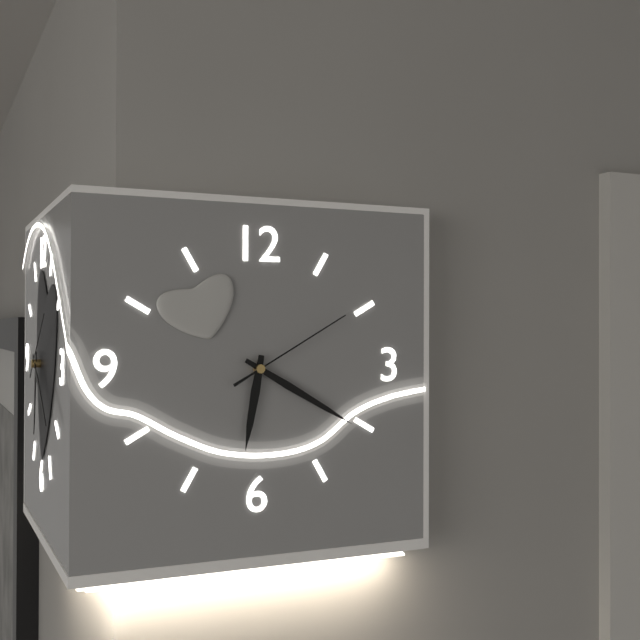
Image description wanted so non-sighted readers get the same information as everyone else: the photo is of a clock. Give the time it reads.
6:20:10
